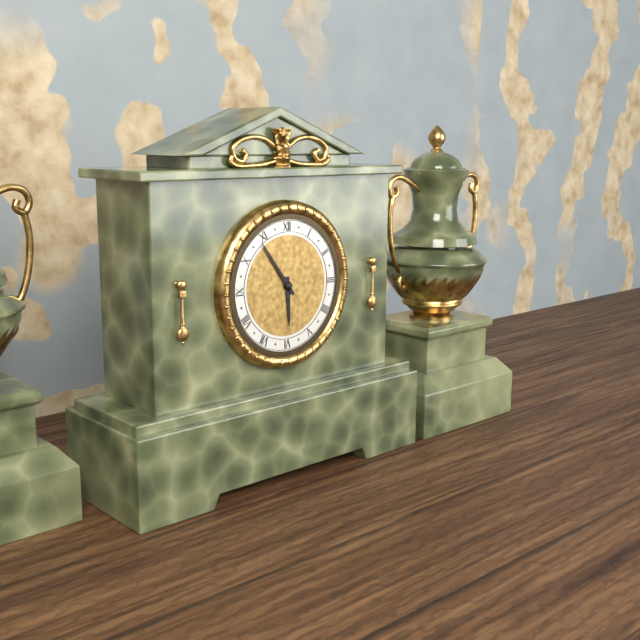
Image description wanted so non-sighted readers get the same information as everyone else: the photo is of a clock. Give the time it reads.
5:54
